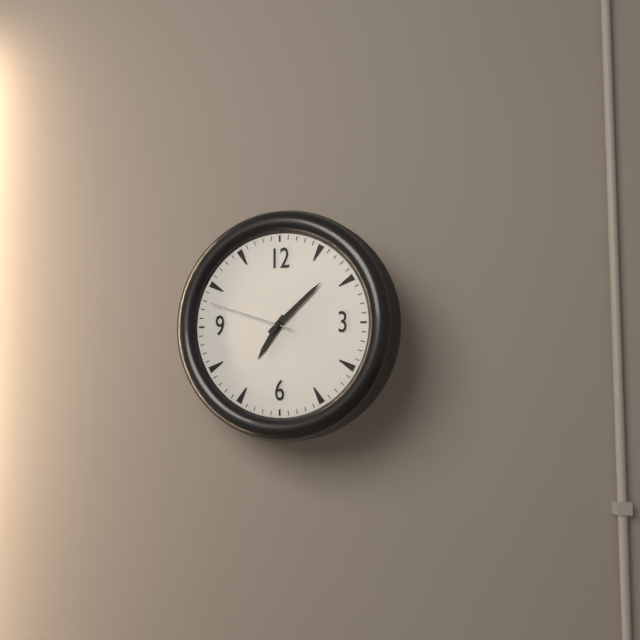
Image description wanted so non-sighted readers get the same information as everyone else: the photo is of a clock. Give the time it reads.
7:08:48
